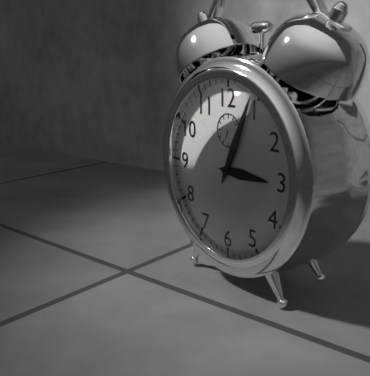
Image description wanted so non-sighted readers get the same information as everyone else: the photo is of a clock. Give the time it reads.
3:04
